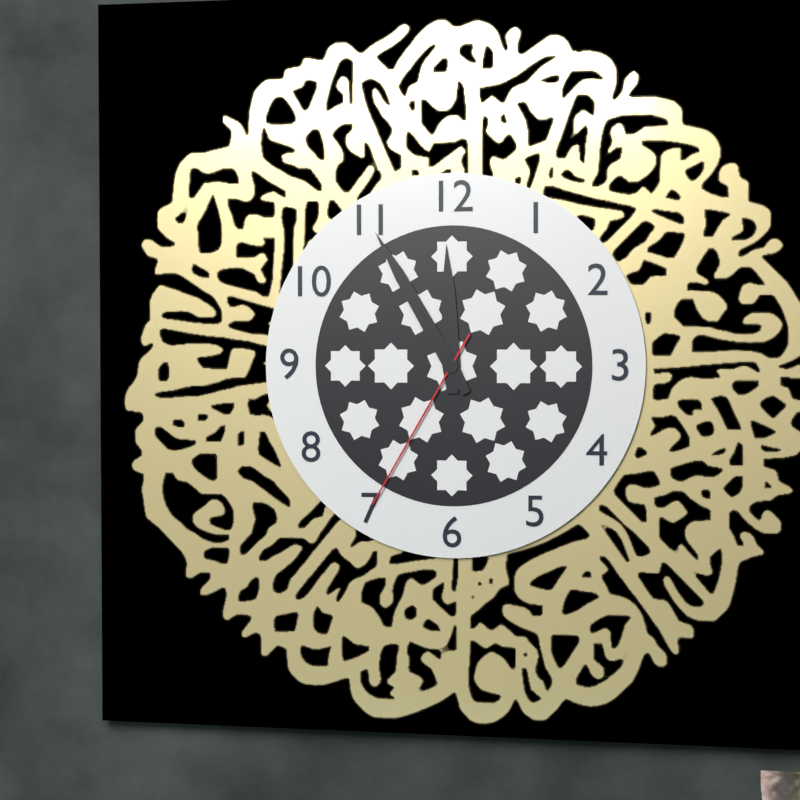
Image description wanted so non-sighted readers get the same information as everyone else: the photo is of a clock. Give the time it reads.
11:55:35
